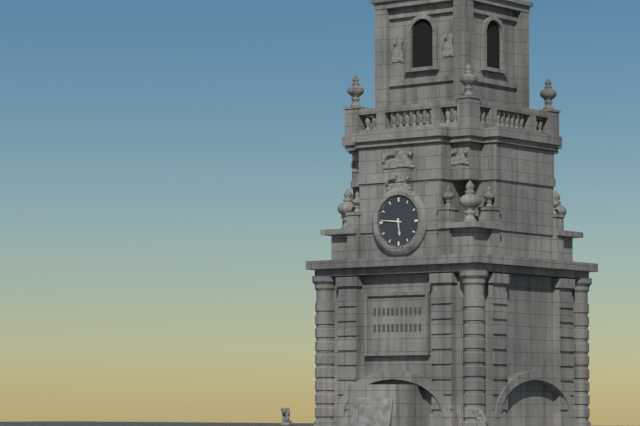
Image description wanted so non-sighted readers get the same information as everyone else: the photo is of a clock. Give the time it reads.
5:46
